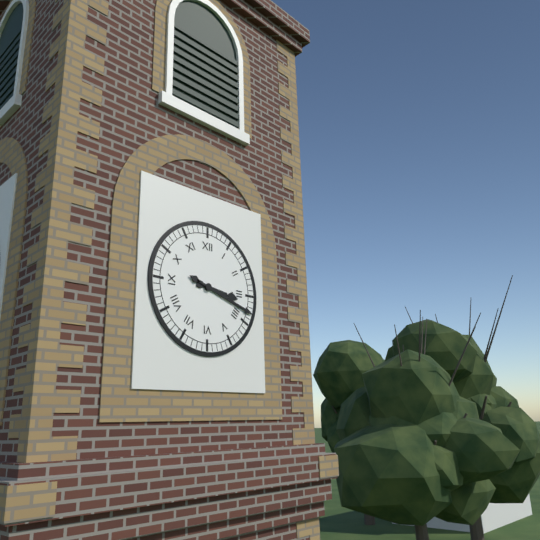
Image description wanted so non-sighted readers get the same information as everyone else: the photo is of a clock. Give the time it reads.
3:18
